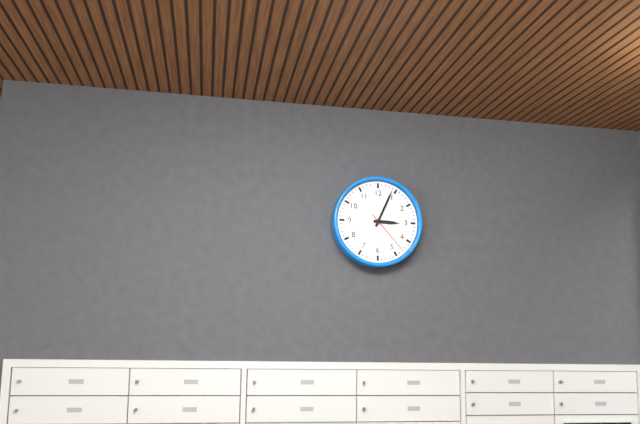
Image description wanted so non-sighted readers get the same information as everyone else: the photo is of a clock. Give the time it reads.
3:04
